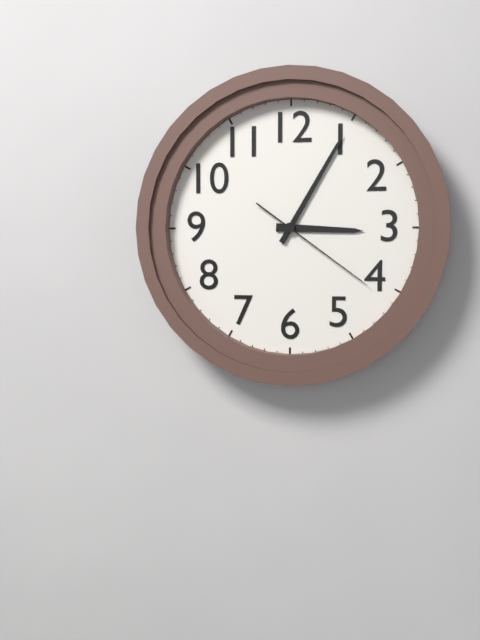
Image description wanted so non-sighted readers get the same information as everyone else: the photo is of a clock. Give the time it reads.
3:05:21
